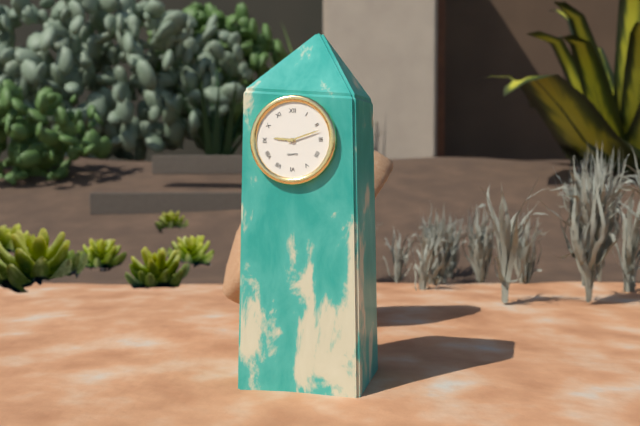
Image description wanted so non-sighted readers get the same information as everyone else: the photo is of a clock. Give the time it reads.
9:12
